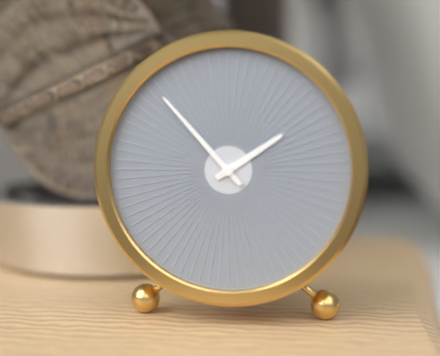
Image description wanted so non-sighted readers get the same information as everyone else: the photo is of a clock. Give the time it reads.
1:53
